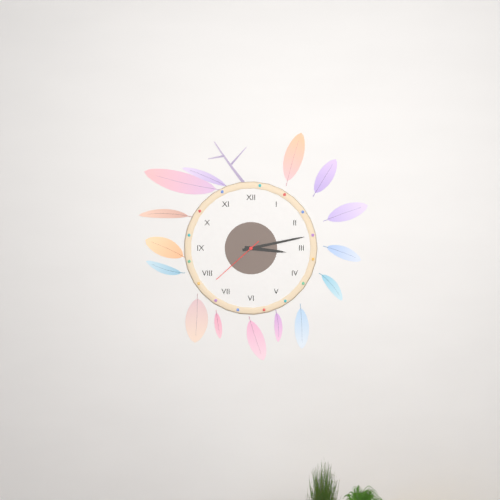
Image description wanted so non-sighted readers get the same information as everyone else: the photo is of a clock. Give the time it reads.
3:13:38
